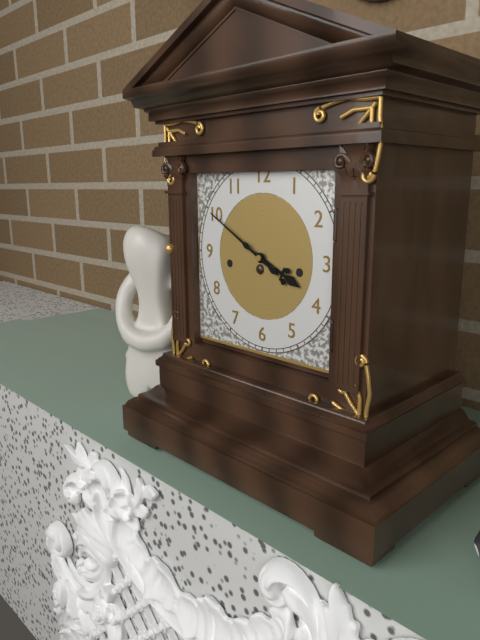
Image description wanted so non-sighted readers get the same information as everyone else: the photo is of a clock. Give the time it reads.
3:50
